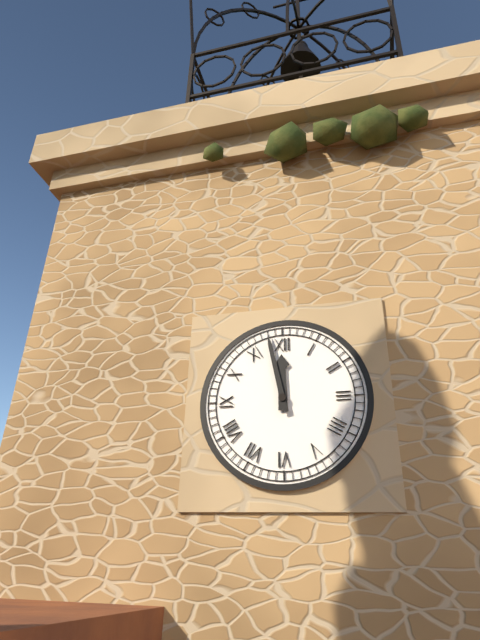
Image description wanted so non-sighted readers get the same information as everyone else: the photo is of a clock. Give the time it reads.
11:58
